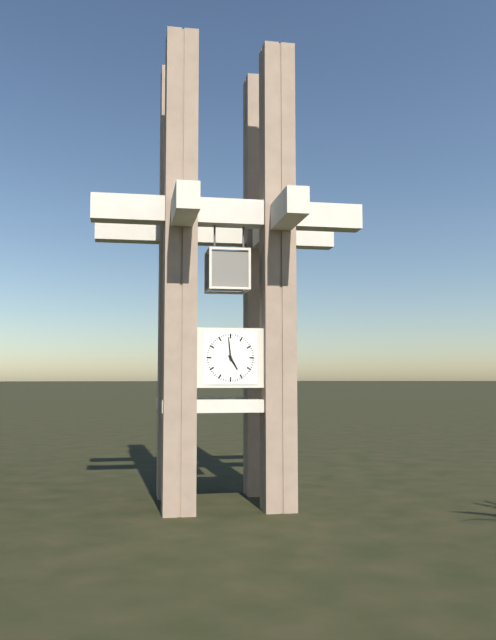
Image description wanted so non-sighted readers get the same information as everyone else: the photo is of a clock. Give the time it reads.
4:59
